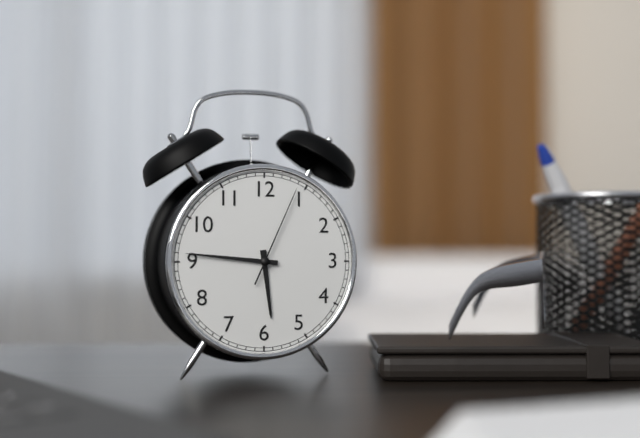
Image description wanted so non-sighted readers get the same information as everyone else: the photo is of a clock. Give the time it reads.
5:46:04
